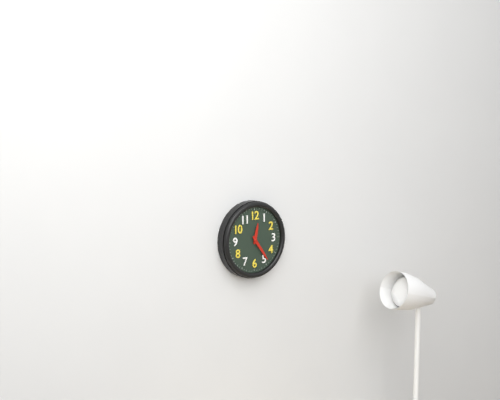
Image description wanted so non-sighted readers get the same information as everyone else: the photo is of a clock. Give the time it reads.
12:24
